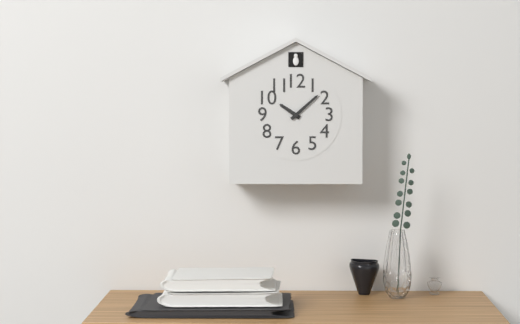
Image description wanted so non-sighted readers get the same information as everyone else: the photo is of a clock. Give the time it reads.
10:08
